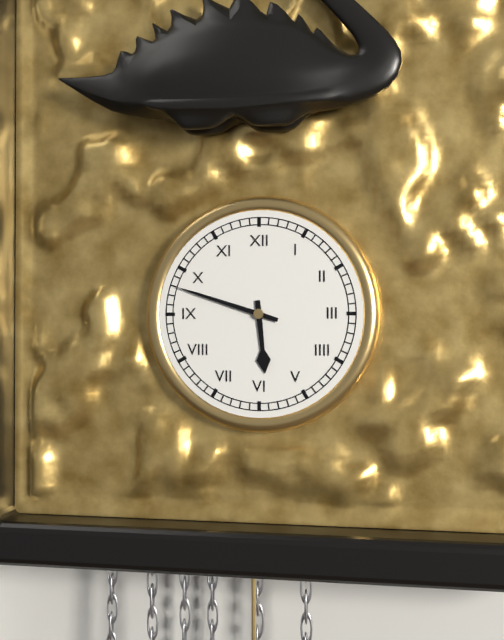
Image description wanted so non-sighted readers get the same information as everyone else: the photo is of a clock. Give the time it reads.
5:48
